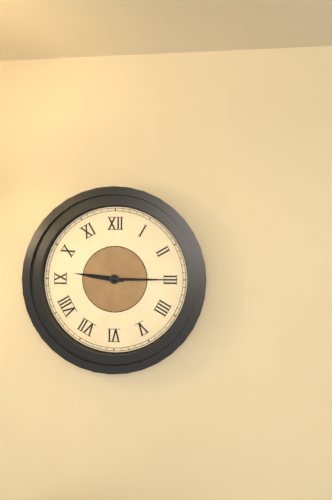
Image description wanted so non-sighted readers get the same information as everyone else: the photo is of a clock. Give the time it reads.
9:15
